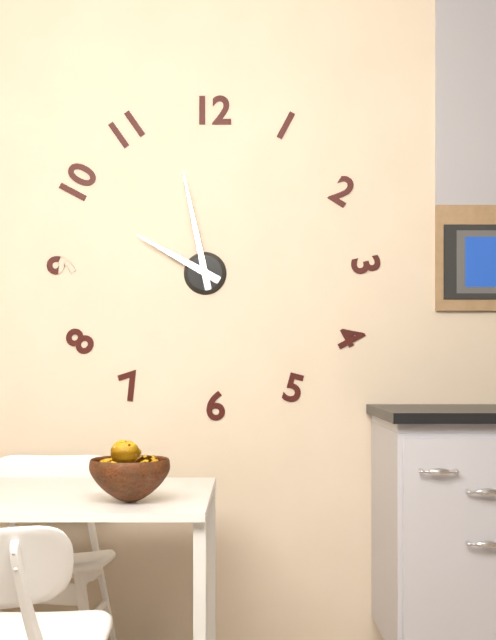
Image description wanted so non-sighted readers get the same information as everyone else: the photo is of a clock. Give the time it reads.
9:58
